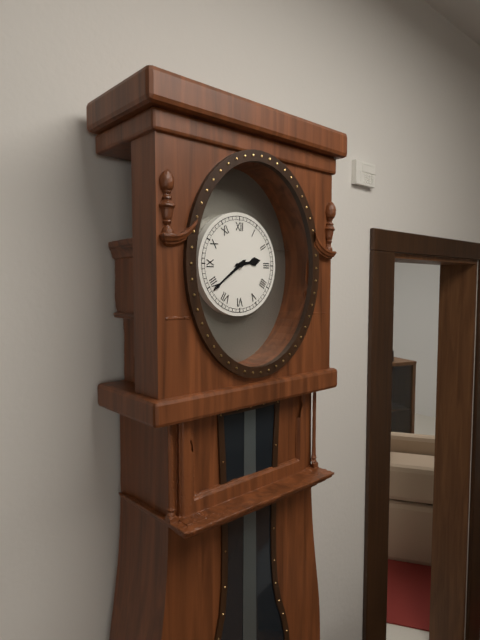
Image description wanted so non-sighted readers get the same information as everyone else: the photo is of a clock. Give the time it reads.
2:39
